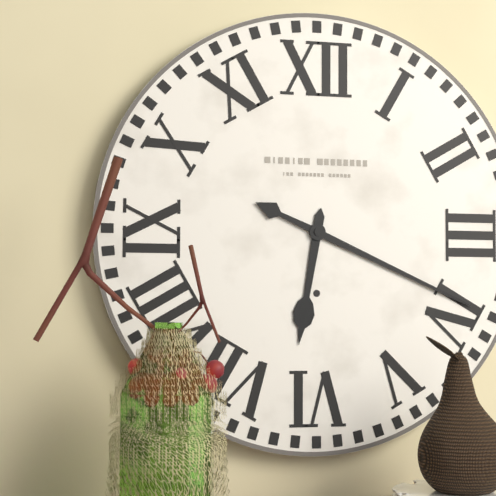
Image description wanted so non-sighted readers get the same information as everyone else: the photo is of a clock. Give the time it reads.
6:19
